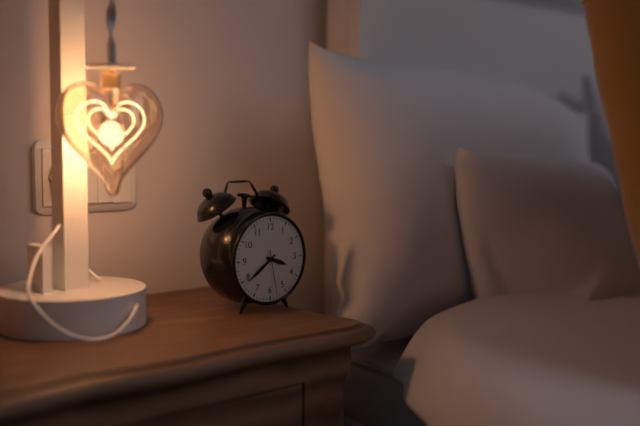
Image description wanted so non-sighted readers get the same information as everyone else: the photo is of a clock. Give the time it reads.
3:39
